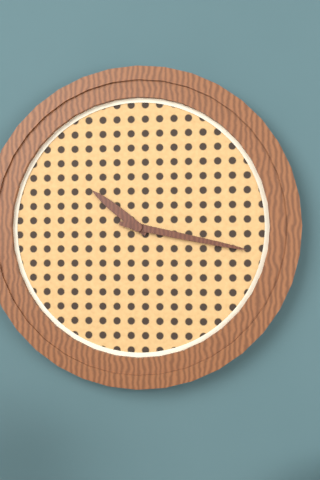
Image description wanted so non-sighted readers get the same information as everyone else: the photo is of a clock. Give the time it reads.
10:17
